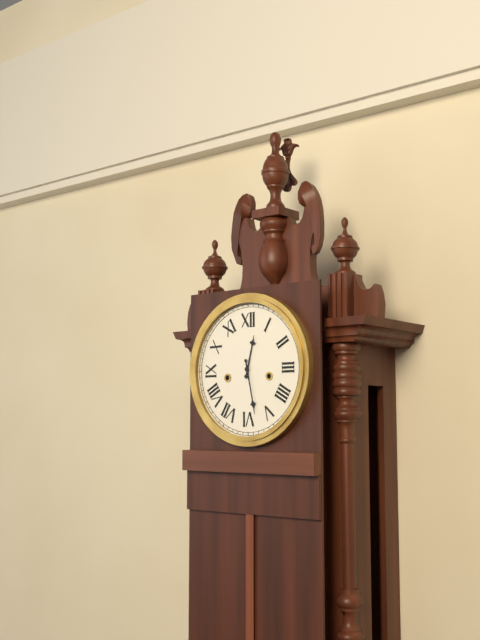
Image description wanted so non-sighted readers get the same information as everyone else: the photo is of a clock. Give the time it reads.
12:28
